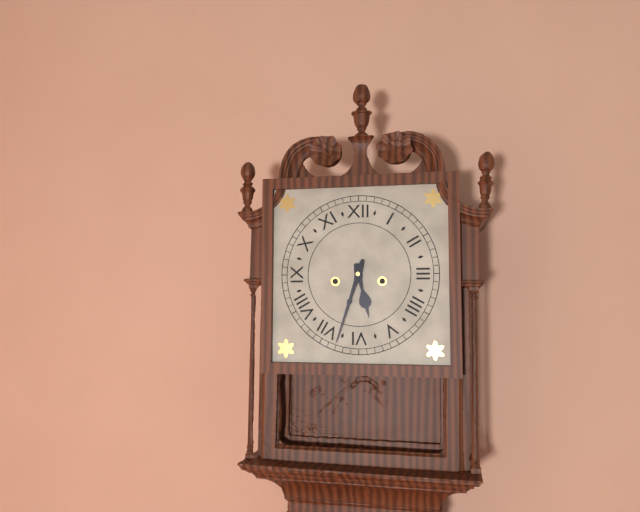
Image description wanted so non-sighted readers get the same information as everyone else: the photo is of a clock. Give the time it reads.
5:33
